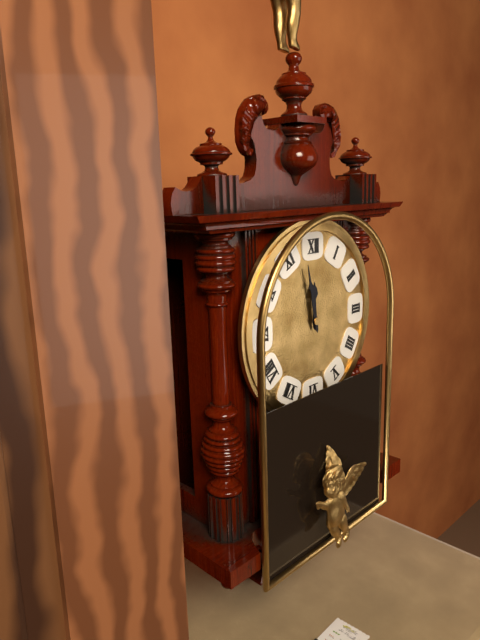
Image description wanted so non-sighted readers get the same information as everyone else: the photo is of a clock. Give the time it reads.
11:58
